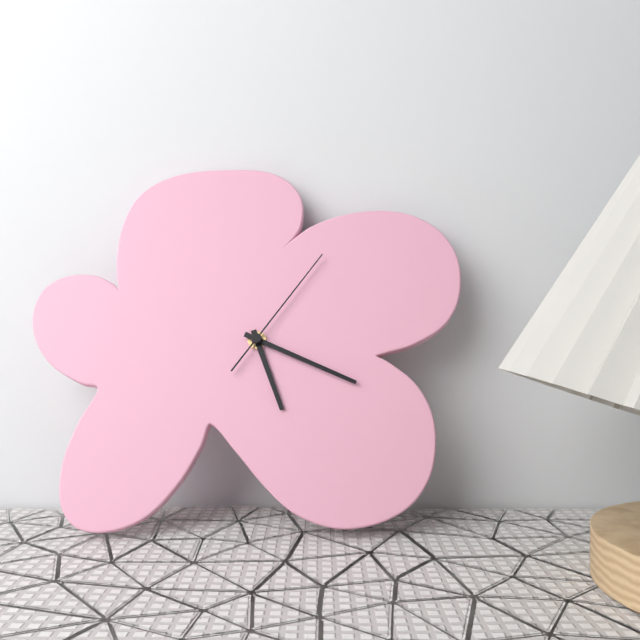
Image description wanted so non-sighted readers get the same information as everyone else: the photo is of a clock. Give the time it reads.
5:19:06
